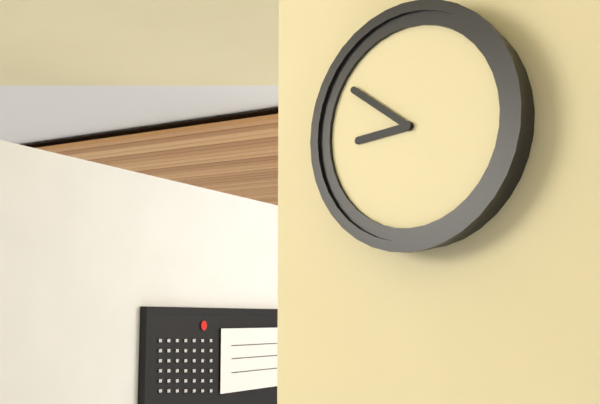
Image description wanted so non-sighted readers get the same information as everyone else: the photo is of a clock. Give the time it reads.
8:51
